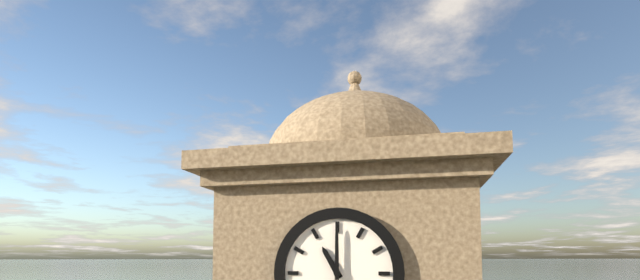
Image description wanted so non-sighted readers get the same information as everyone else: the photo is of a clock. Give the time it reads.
11:00
